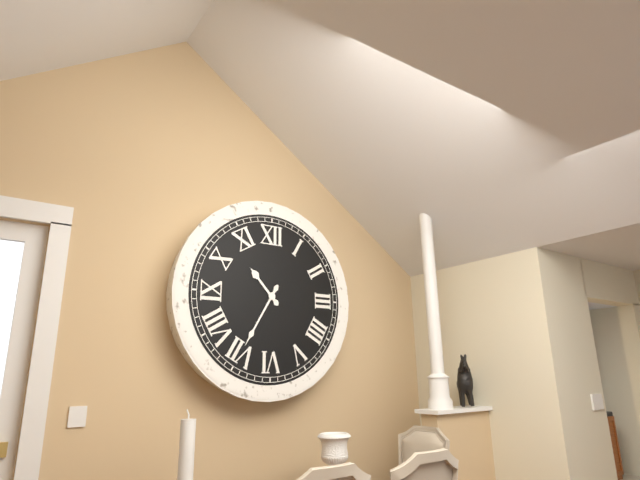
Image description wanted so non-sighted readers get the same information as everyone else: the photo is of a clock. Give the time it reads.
10:35
